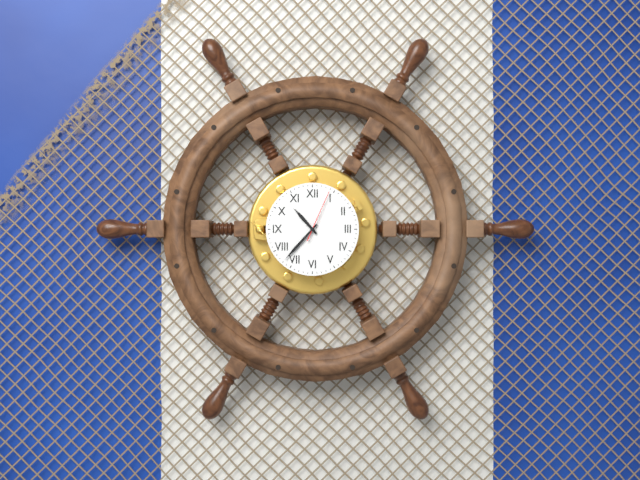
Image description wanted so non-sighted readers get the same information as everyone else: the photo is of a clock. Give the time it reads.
10:37:04
